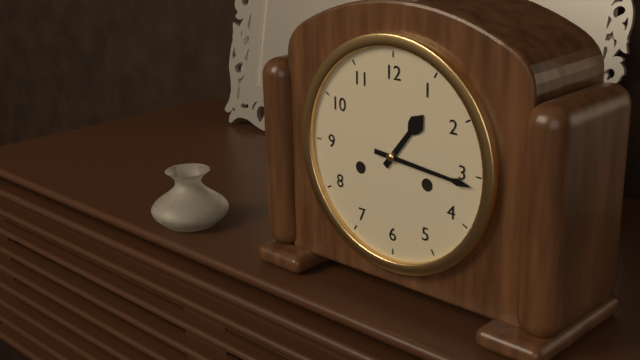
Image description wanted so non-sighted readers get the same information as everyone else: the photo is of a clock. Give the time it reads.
1:16
